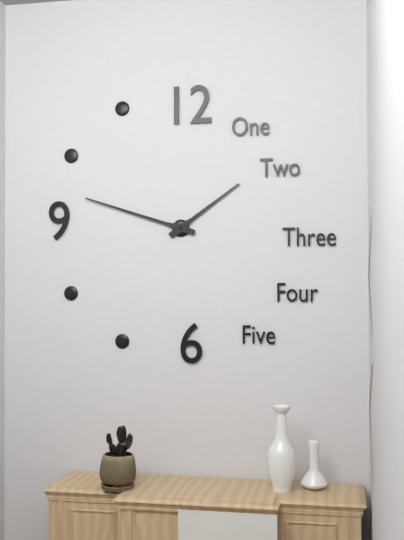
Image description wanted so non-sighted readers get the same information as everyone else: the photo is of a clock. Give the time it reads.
1:48
